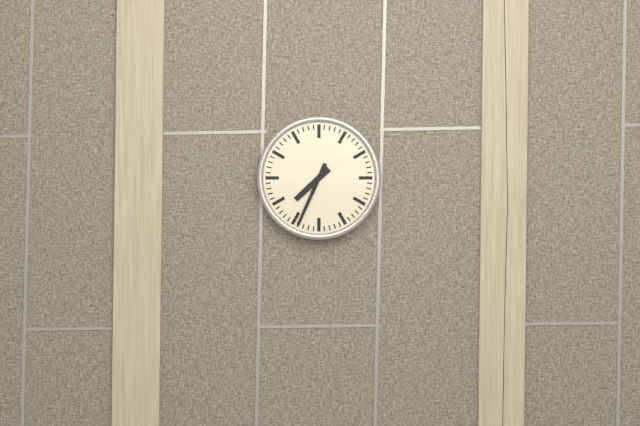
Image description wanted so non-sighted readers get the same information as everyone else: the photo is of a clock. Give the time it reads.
7:34
